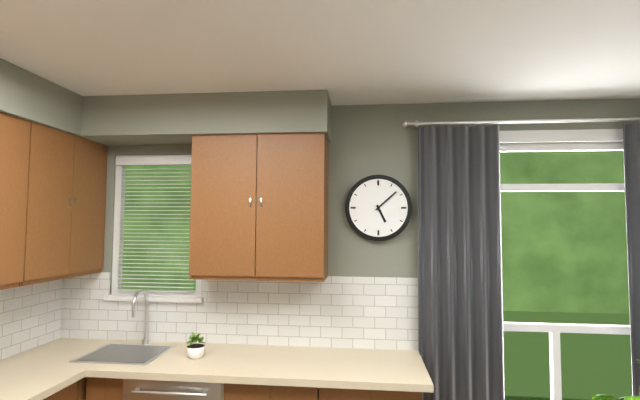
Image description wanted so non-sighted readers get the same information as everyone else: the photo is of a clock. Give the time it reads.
5:08
